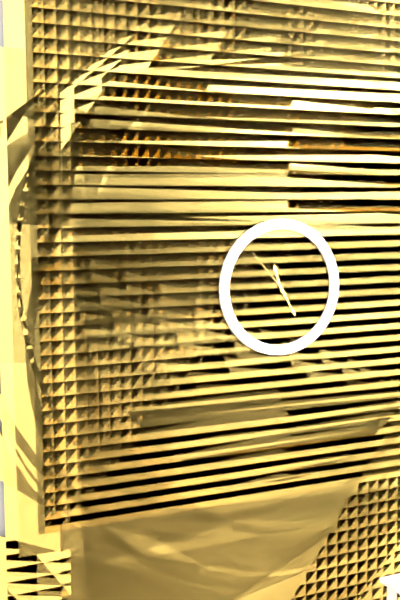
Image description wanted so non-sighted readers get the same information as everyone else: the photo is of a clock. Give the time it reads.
11:25:53
